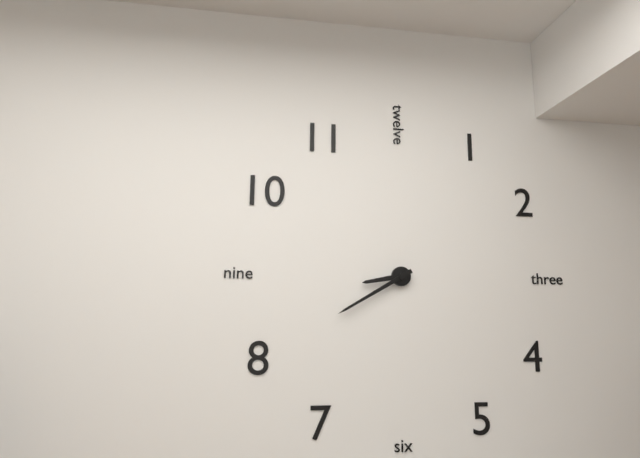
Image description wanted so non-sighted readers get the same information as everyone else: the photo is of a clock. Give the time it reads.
8:40
